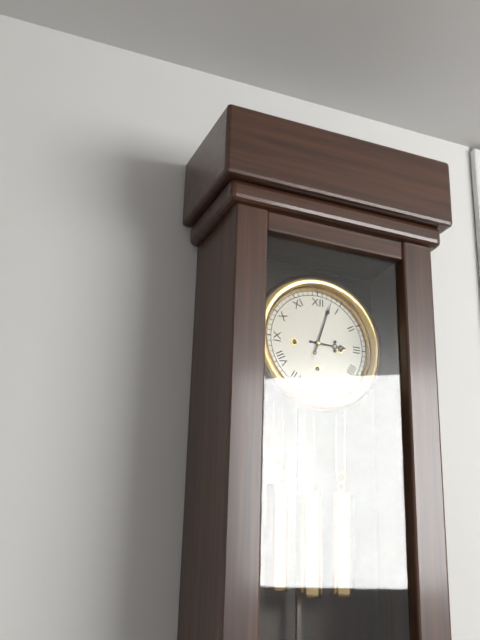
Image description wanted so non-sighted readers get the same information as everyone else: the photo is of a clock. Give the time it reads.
3:03
